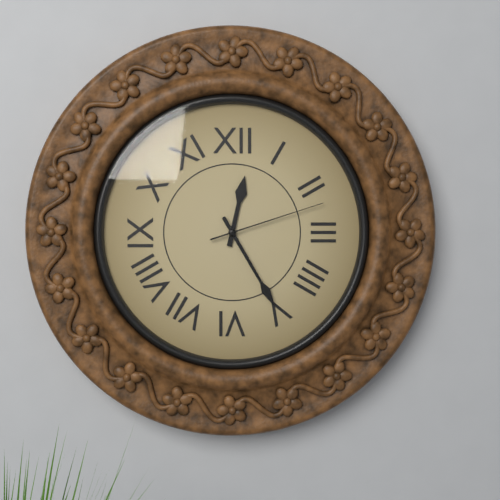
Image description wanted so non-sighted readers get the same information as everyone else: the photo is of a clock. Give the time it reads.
12:25:12
